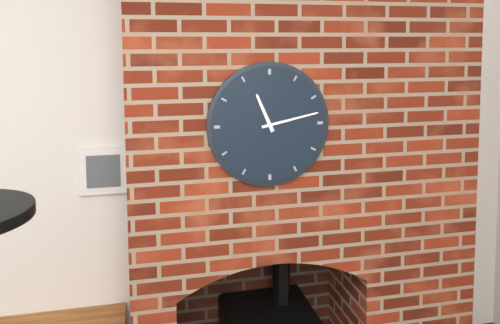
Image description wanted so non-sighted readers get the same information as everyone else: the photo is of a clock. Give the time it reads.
11:13
